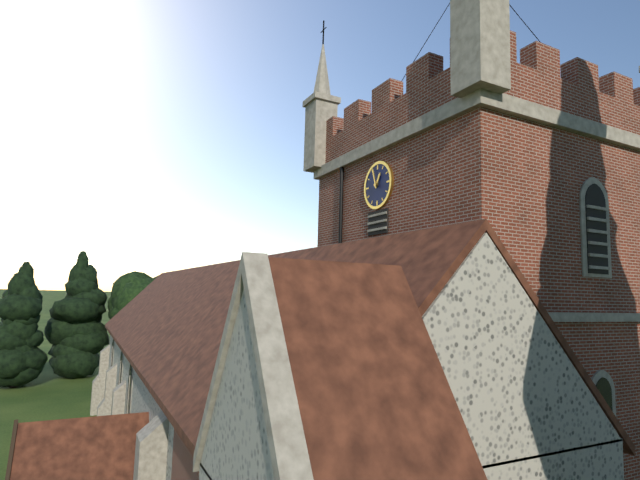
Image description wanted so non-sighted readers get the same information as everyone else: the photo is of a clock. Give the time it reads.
12:57
